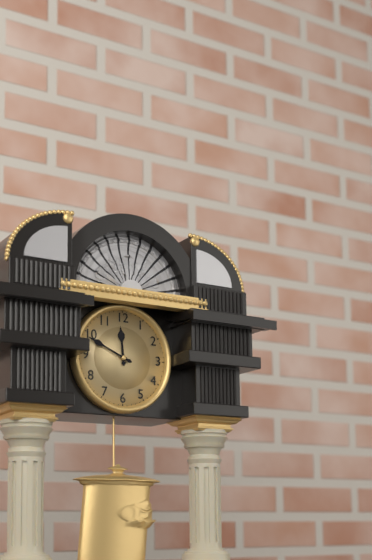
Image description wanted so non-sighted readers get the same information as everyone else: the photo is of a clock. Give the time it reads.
11:49
